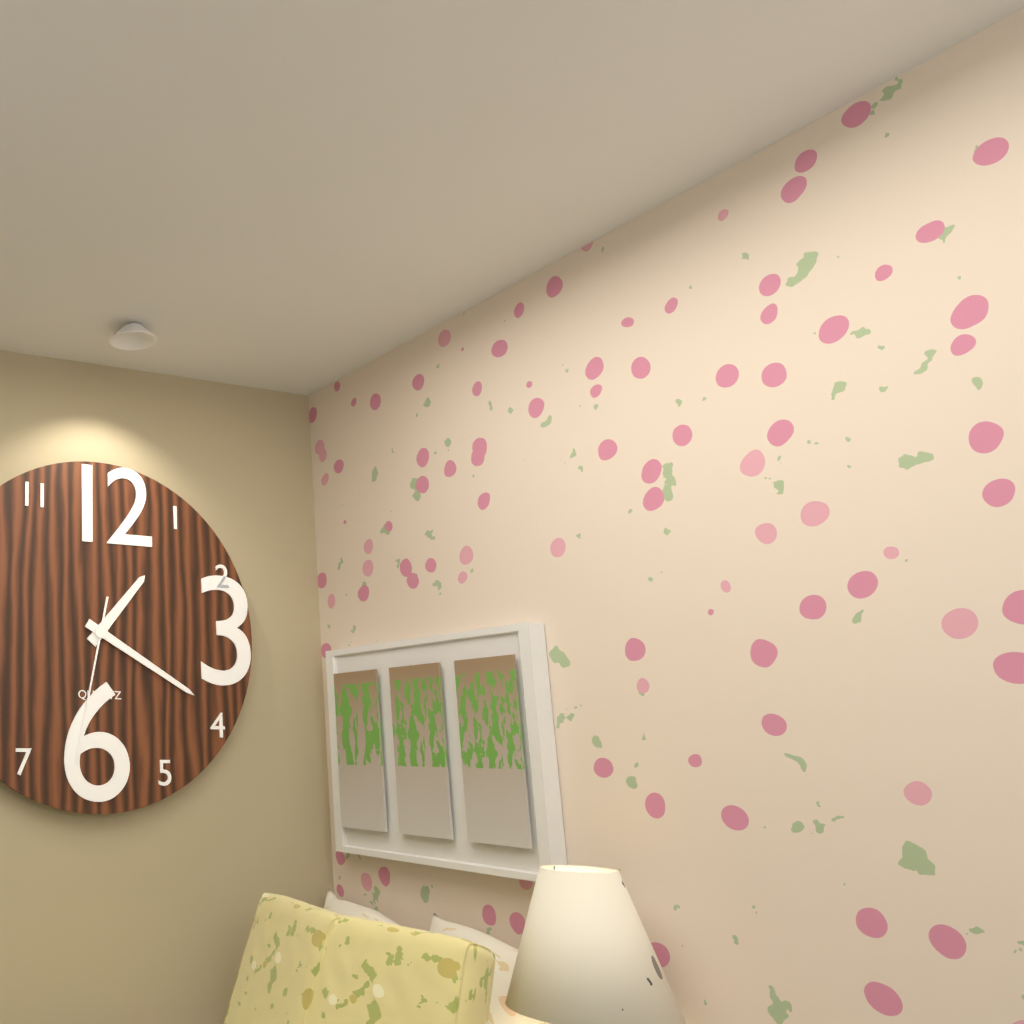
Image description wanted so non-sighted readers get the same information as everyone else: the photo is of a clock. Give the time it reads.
1:20:32
